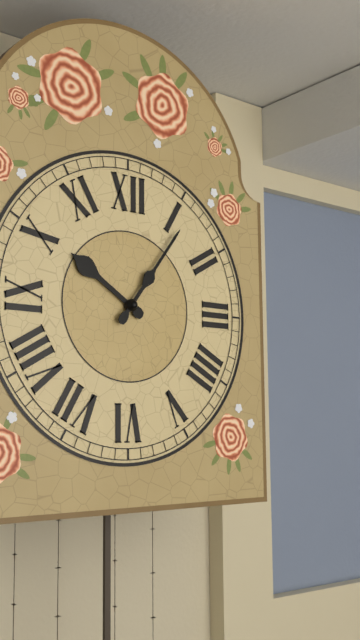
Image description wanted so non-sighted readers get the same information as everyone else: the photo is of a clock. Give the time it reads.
10:06
